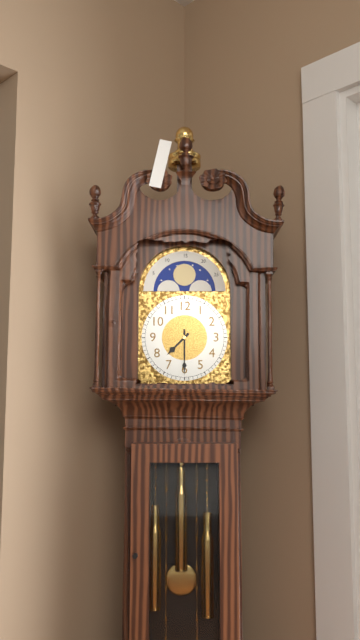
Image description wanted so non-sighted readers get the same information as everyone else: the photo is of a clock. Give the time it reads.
7:30
